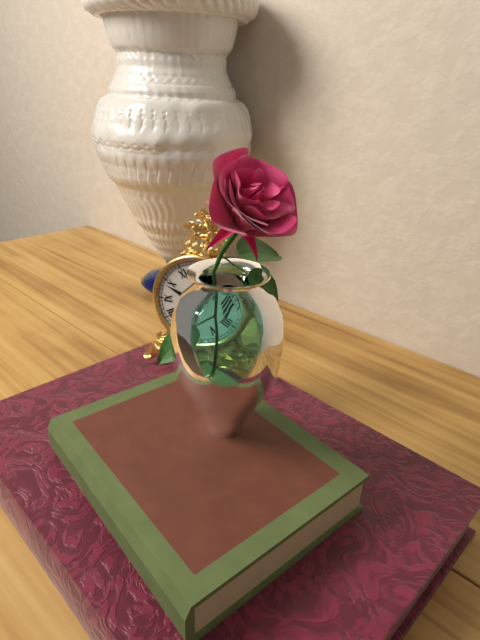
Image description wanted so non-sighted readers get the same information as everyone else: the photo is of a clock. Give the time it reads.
5:49
